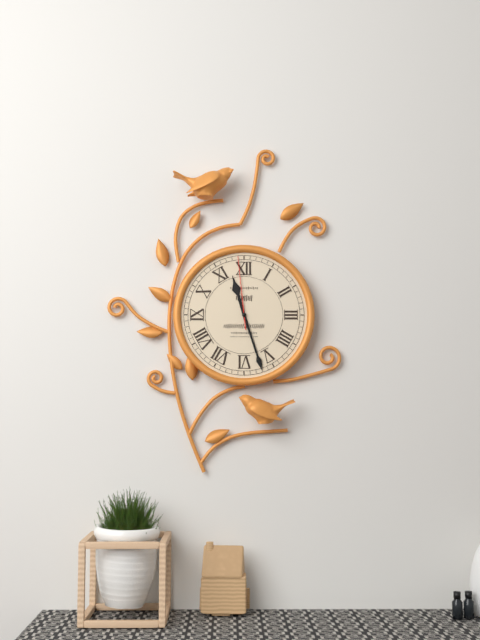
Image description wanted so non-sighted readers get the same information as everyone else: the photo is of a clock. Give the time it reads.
11:27:59
